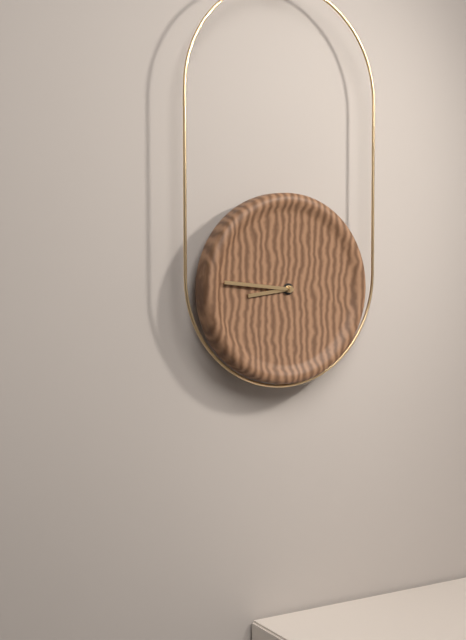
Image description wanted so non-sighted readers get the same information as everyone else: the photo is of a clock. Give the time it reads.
8:46
